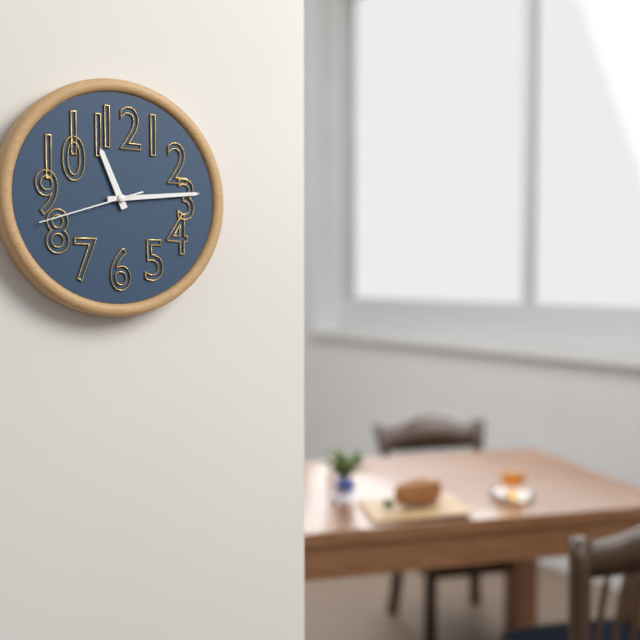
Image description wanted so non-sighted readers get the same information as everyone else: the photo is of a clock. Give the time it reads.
11:14:42
